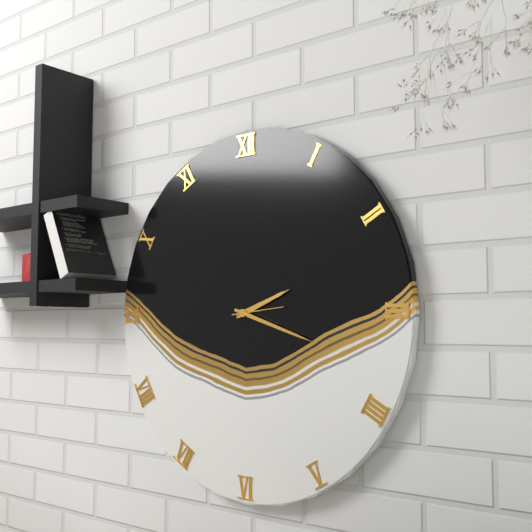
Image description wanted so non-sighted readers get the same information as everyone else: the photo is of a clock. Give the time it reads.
2:18
